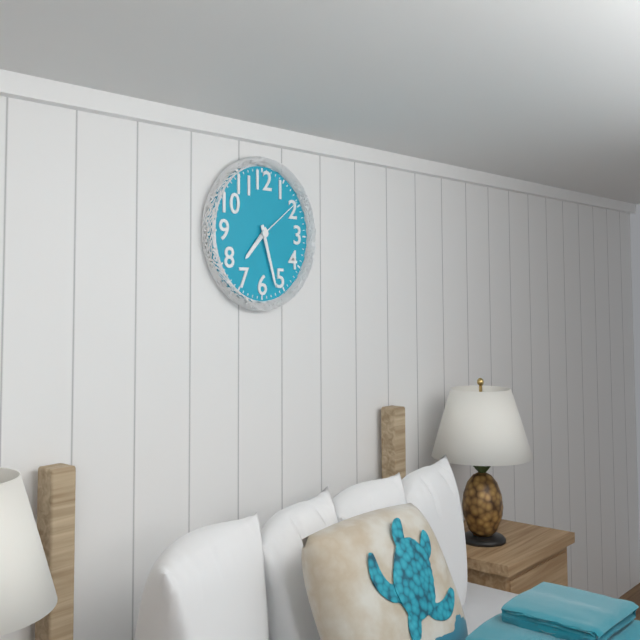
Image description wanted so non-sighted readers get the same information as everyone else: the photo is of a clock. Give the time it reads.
7:27:09
